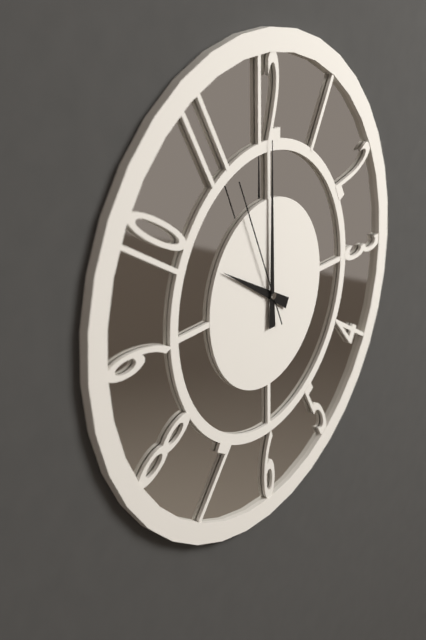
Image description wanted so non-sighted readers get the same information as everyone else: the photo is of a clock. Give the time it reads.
10:00:56
